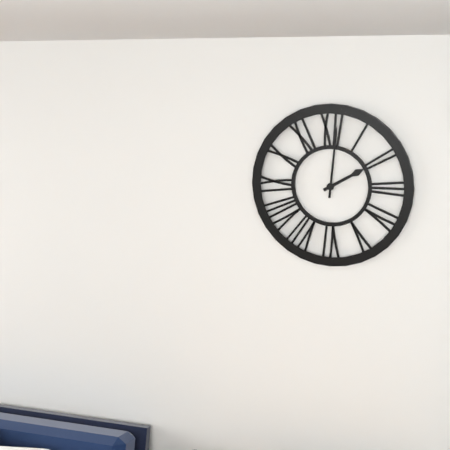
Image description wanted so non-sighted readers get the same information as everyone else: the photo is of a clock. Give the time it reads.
2:01
